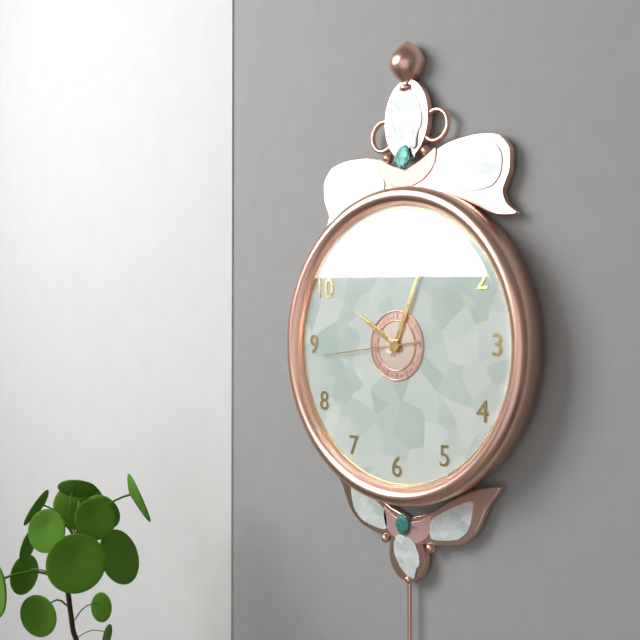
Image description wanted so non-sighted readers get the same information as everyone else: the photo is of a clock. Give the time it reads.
10:04:44
